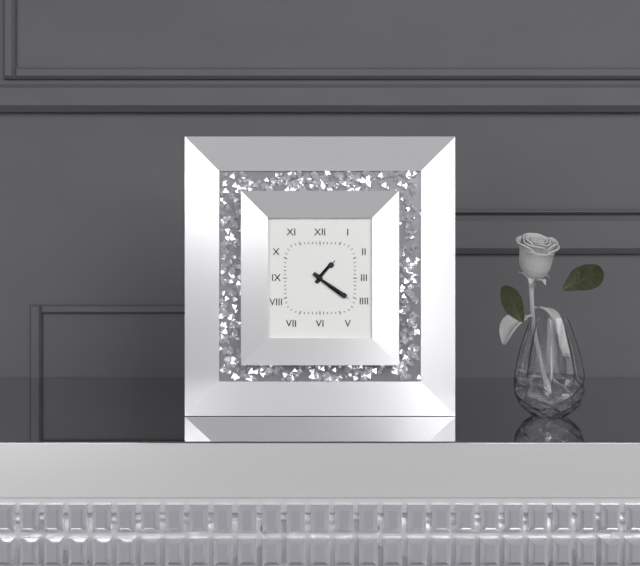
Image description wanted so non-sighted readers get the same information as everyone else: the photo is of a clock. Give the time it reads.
1:21
